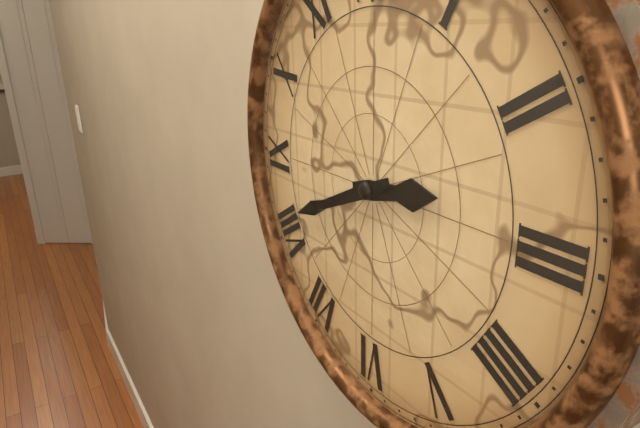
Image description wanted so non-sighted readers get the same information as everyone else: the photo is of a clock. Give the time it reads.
2:41
